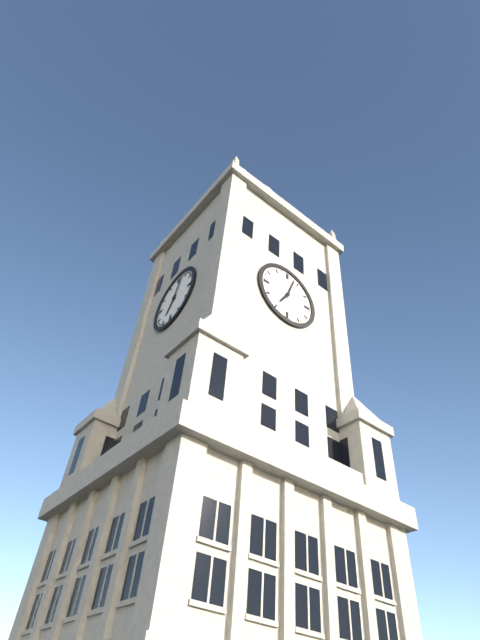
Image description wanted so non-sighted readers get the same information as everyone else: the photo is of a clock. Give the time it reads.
7:03
